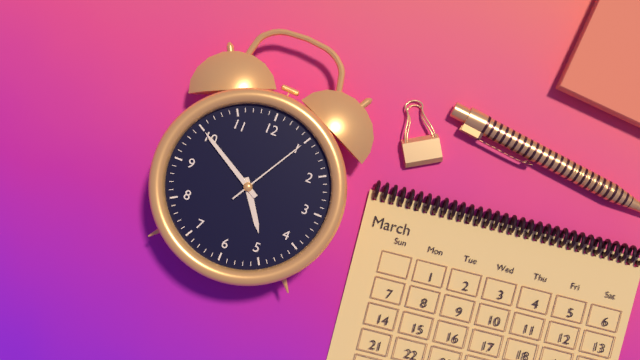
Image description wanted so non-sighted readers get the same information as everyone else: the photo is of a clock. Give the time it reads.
4:50:05
